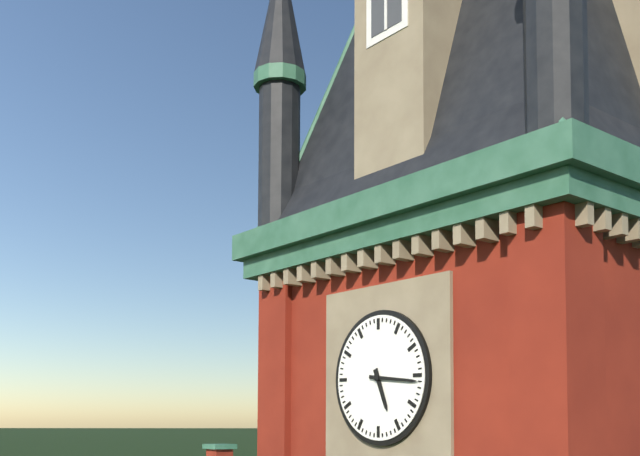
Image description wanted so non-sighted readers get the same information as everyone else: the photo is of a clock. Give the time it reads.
5:16
